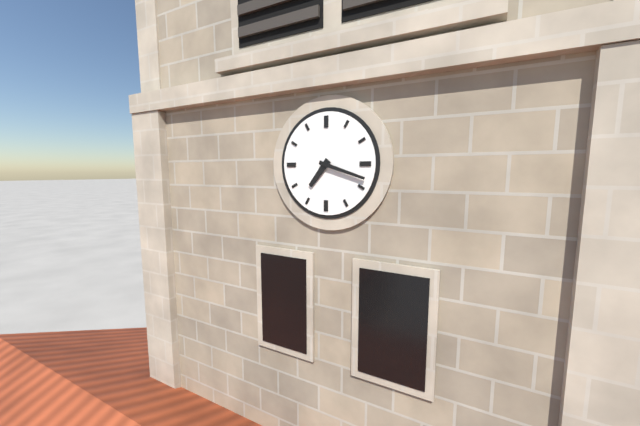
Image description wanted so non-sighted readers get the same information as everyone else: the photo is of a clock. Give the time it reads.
7:18
